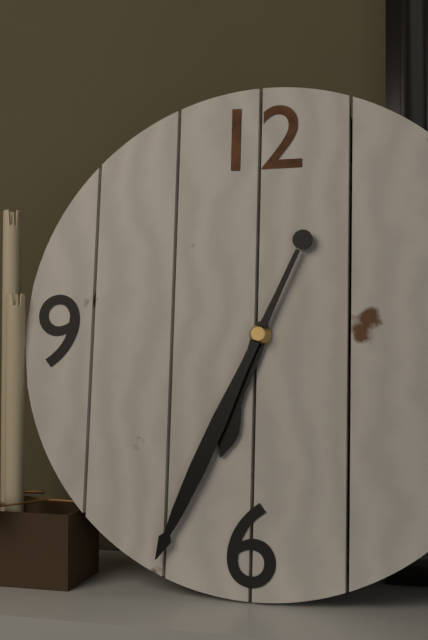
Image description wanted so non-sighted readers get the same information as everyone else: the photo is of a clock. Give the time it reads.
6:34
